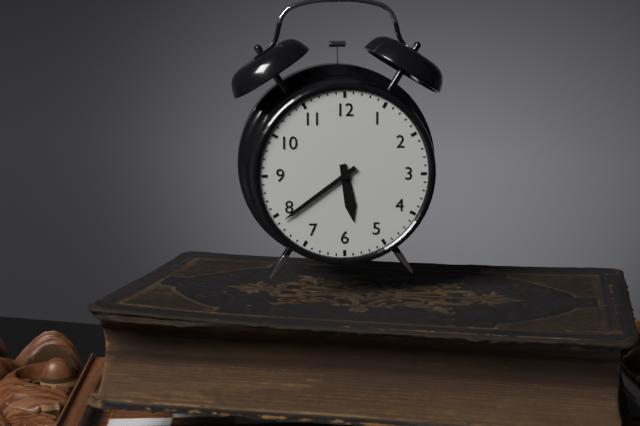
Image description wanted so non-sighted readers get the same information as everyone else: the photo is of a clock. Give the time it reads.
5:39
